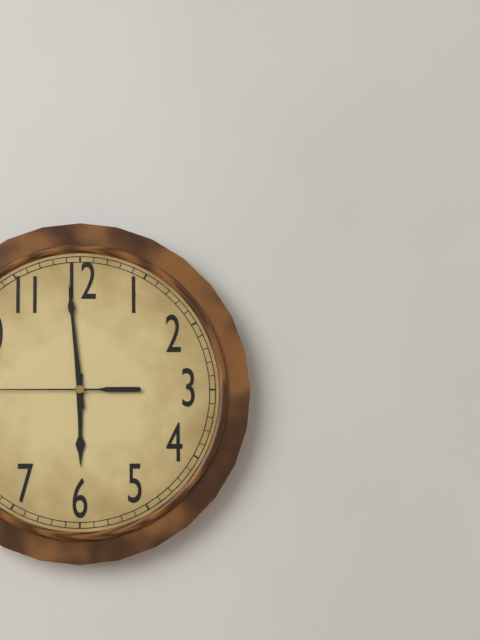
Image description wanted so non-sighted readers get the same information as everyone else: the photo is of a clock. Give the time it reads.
5:59
